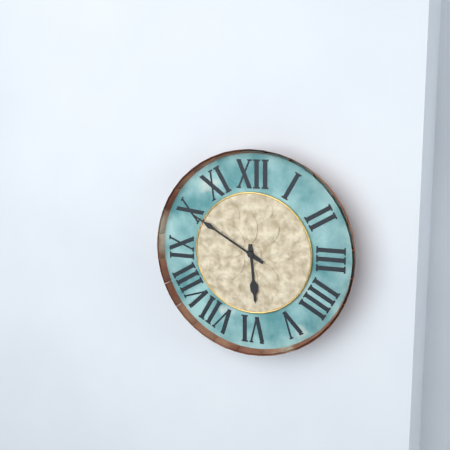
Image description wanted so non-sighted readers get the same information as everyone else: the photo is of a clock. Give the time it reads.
5:50
